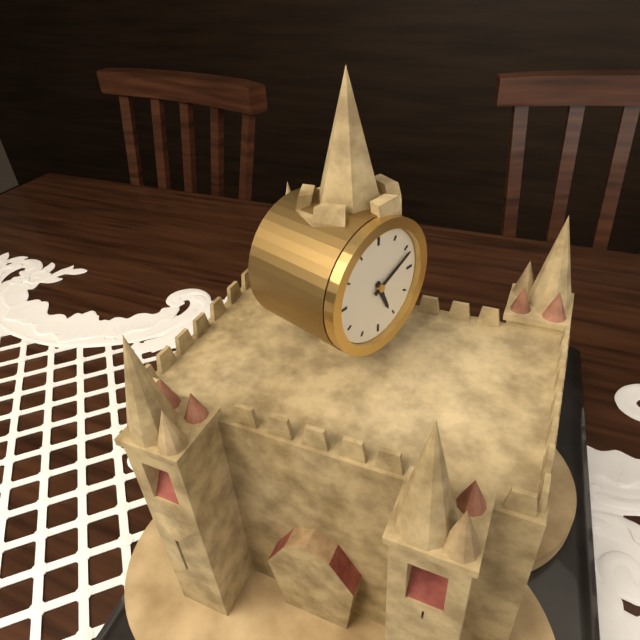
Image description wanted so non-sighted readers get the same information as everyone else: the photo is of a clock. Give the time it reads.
5:11
